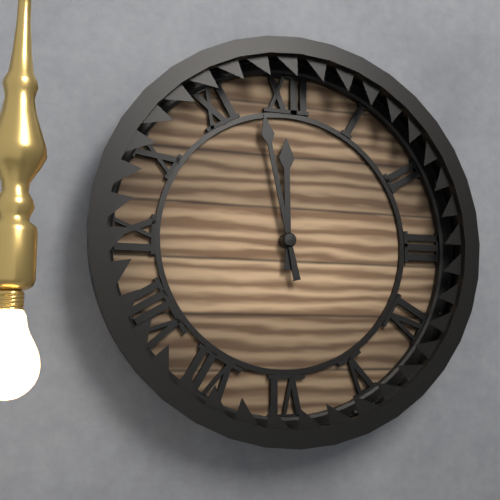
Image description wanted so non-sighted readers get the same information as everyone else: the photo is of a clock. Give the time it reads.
11:58
